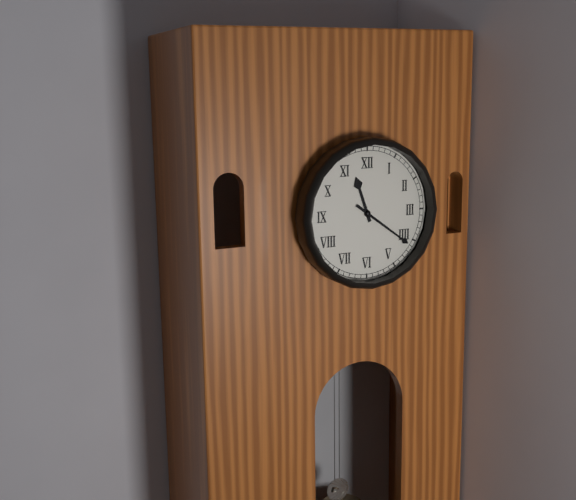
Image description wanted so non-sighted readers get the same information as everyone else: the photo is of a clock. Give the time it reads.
11:21
